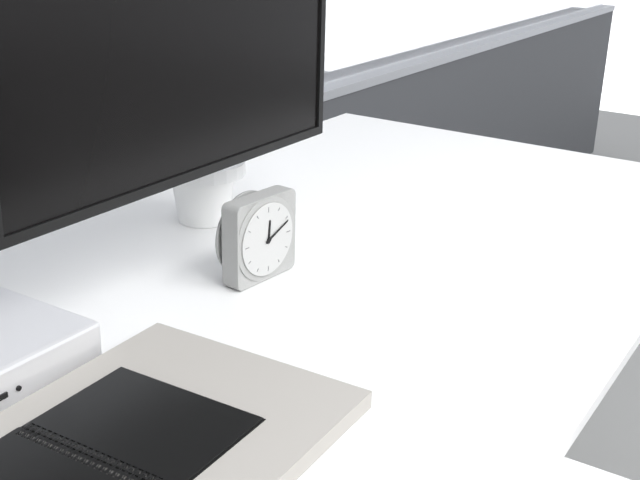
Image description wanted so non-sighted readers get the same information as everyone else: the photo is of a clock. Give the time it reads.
12:11
